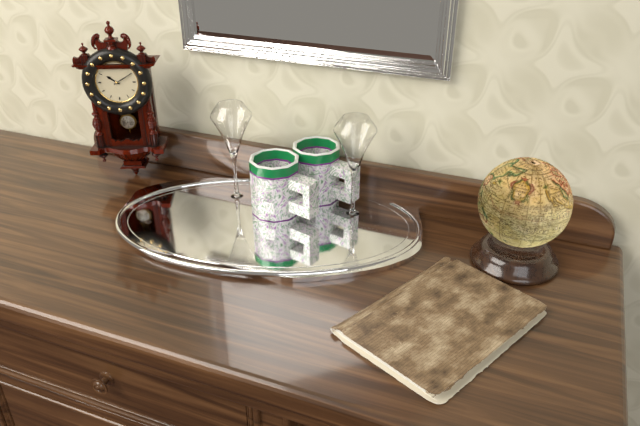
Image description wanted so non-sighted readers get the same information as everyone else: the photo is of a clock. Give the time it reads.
10:10
